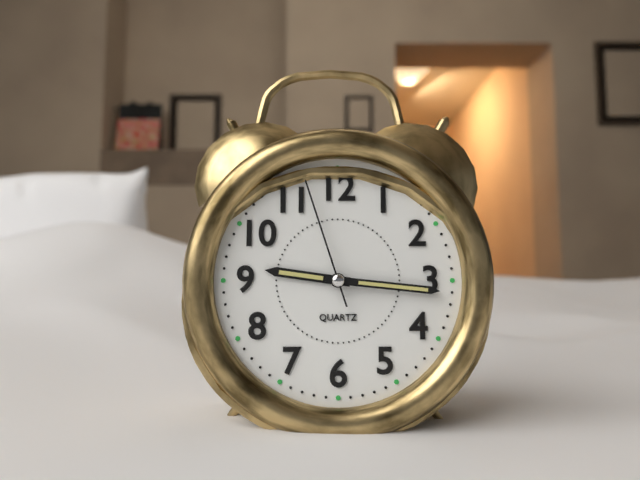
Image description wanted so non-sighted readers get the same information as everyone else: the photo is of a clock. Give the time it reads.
9:16:57
